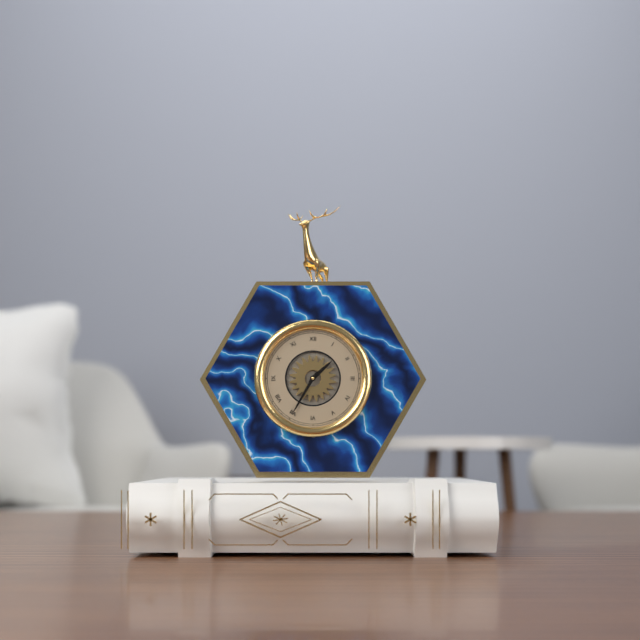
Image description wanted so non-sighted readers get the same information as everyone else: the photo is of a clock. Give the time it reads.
1:35
